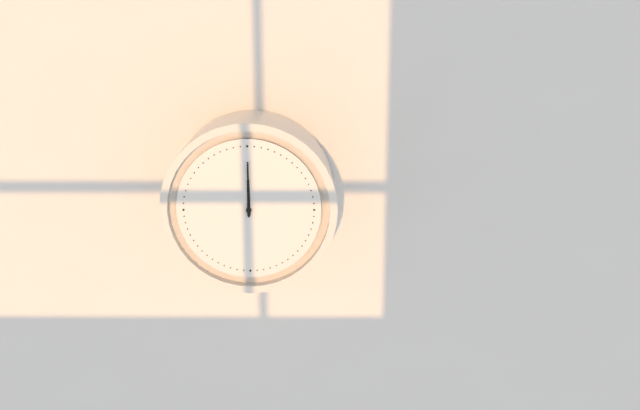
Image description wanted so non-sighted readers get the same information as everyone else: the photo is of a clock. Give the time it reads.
12:00
